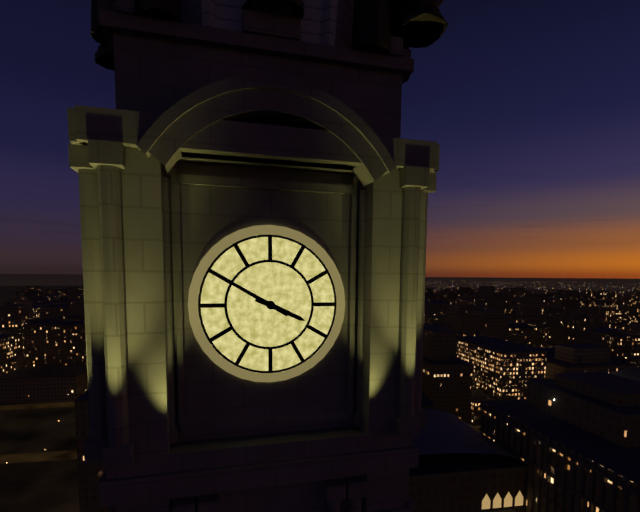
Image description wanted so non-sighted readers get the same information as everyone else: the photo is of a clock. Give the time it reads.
3:50
